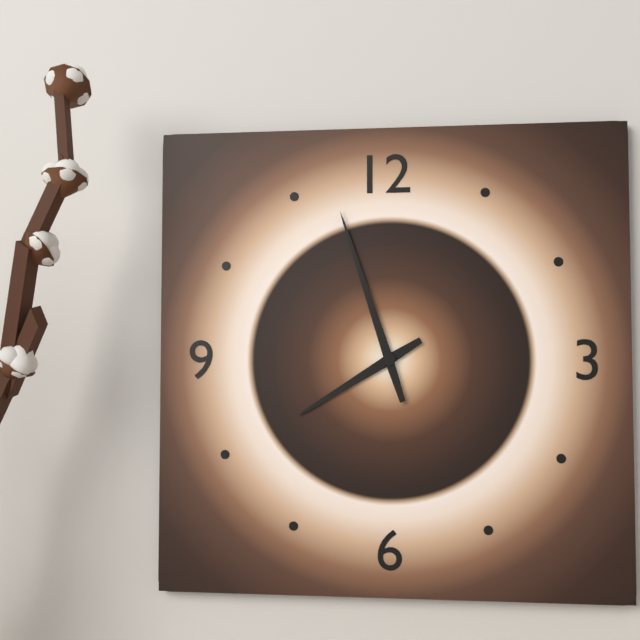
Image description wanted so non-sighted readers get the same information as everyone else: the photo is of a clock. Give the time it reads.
7:57
